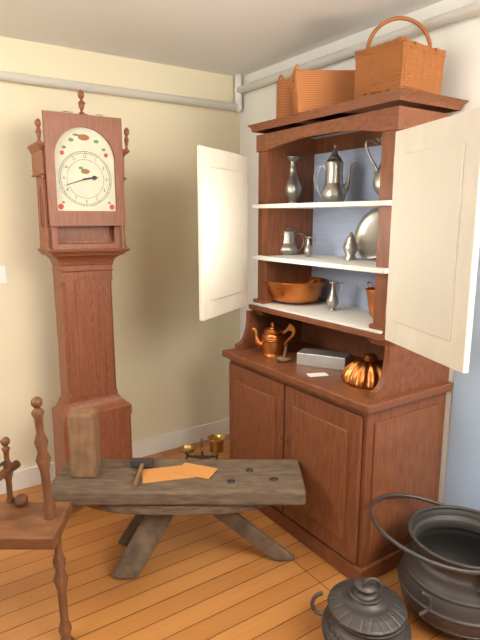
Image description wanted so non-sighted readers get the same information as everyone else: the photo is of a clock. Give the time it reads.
2:42
